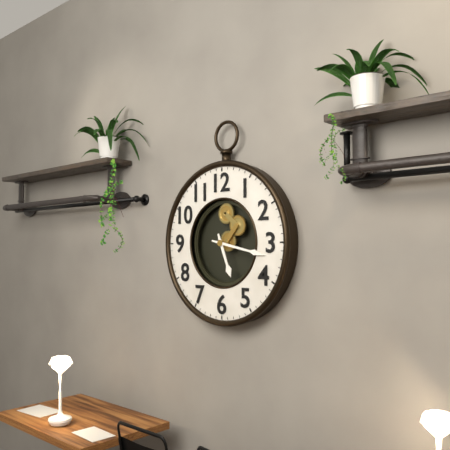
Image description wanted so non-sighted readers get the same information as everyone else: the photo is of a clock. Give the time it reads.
5:17
